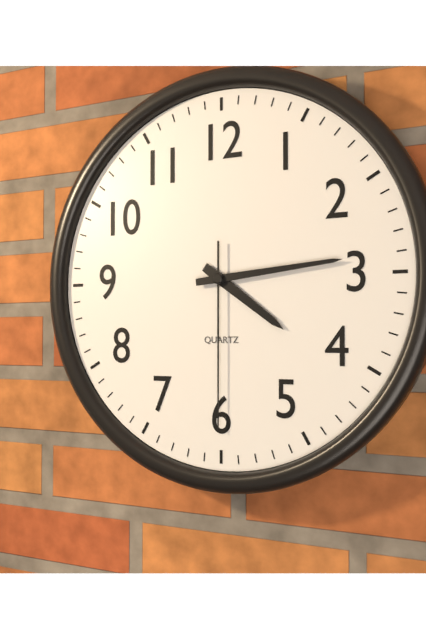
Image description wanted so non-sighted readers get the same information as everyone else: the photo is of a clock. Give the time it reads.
4:14:30
